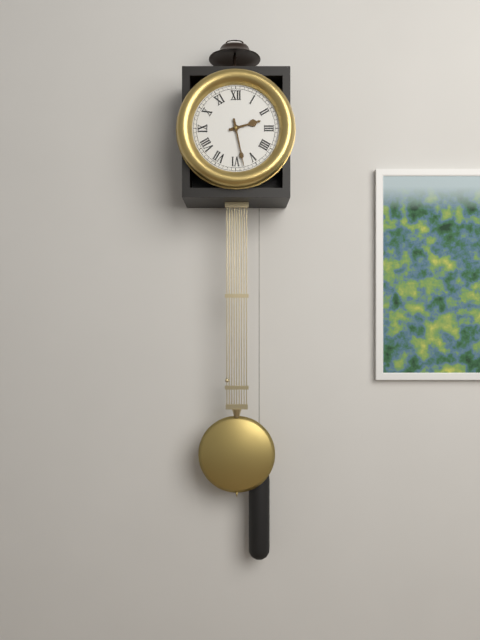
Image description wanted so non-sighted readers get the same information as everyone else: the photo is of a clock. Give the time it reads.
2:28
